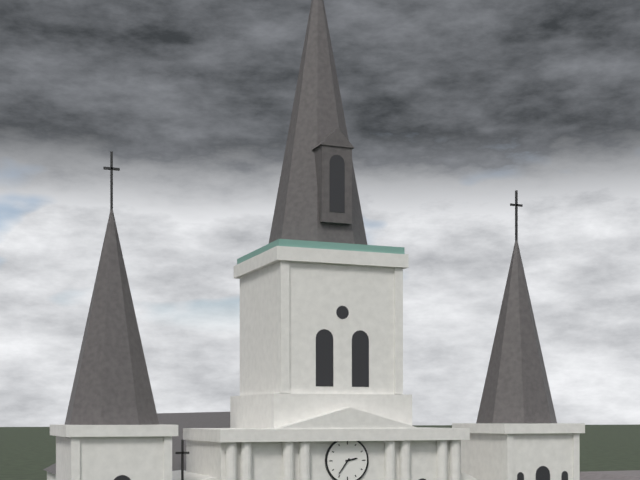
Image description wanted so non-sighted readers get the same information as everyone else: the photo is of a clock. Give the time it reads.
2:36
